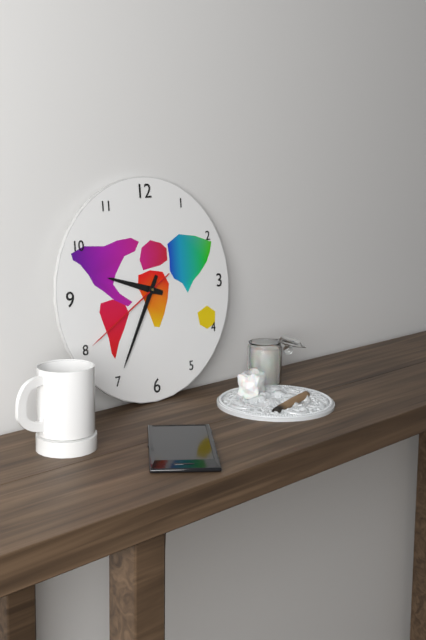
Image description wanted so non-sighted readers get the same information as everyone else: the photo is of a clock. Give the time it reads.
9:35:40
